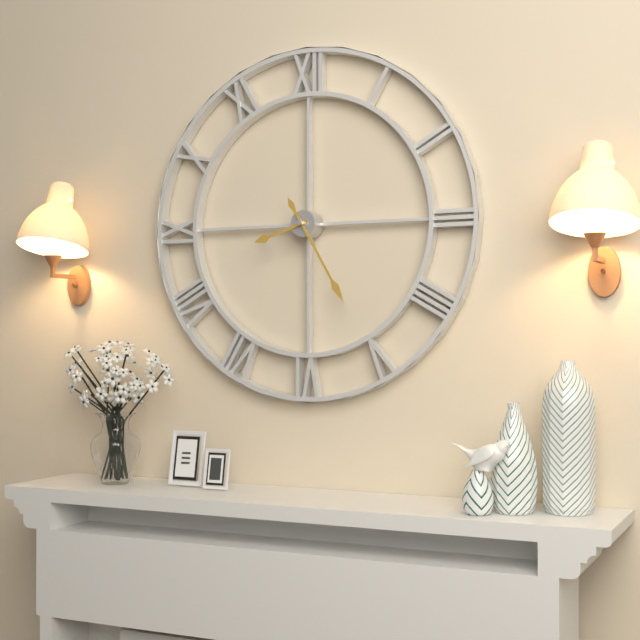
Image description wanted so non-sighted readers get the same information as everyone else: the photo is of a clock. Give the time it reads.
8:25
